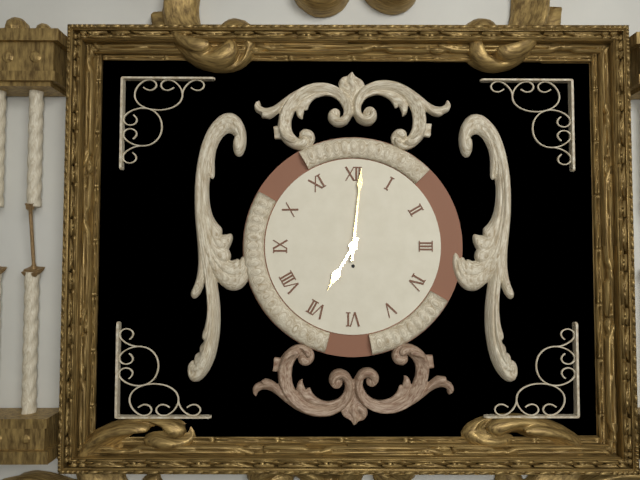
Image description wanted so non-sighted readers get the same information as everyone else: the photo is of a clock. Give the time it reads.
7:01
